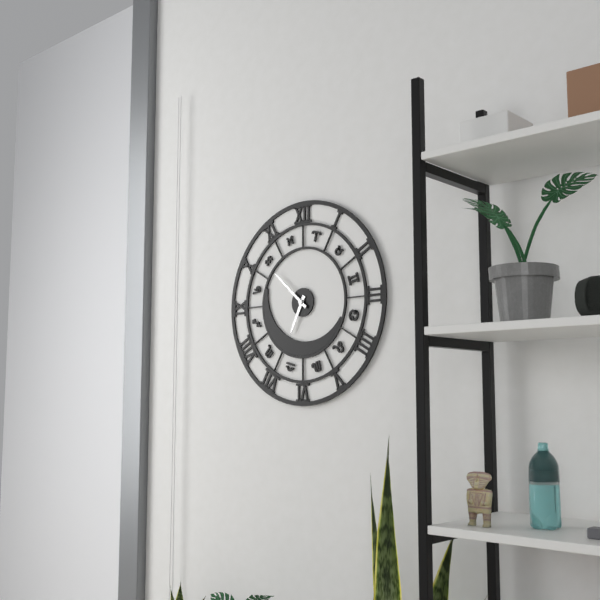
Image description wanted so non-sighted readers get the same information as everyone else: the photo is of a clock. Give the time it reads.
6:52
